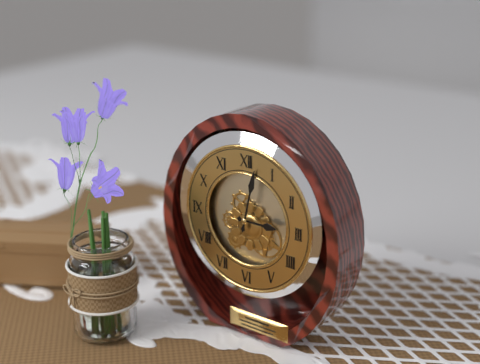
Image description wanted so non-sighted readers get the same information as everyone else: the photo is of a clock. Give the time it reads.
3:02
